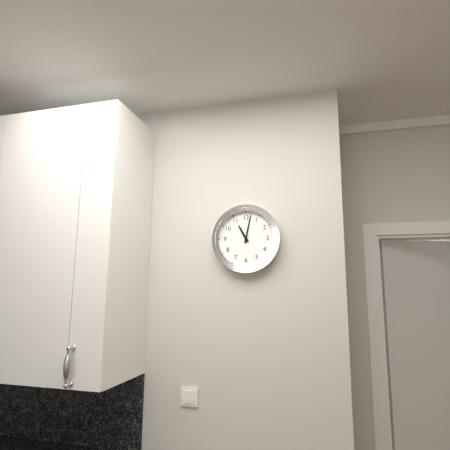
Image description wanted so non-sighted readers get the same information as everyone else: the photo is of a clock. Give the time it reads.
11:02
